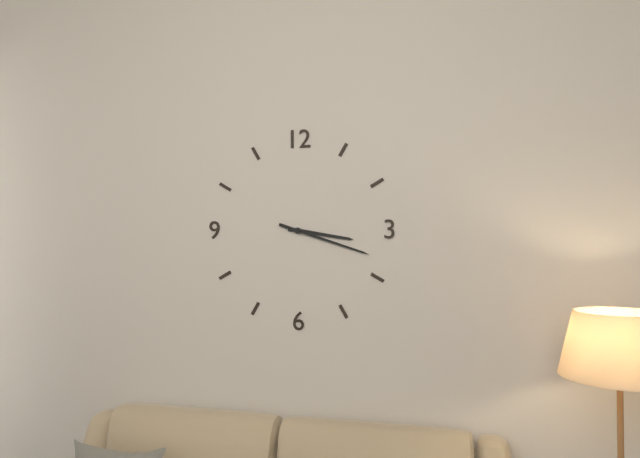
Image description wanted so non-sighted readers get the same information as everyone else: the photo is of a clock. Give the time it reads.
3:18
